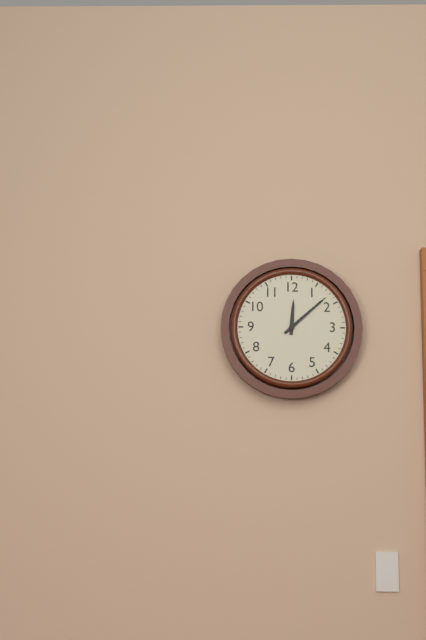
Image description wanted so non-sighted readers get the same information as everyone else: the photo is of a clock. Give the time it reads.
12:08
